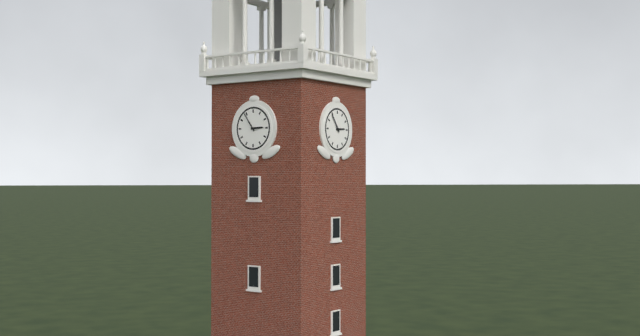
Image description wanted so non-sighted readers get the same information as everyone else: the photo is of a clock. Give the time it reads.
2:54
